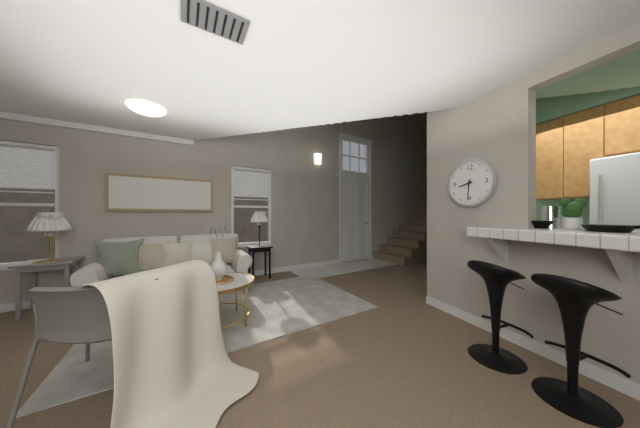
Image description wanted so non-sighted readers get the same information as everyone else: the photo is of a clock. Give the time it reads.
8:31
